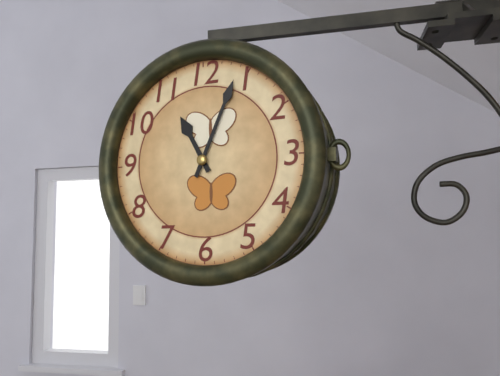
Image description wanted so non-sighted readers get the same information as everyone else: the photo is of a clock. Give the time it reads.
11:04
